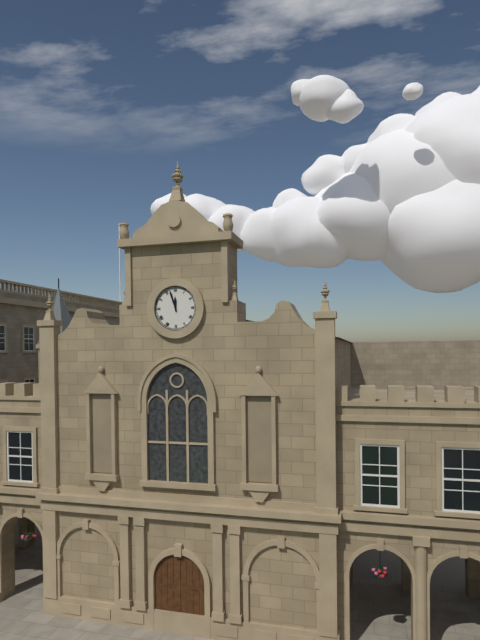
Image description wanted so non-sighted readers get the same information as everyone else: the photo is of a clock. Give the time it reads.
11:57
